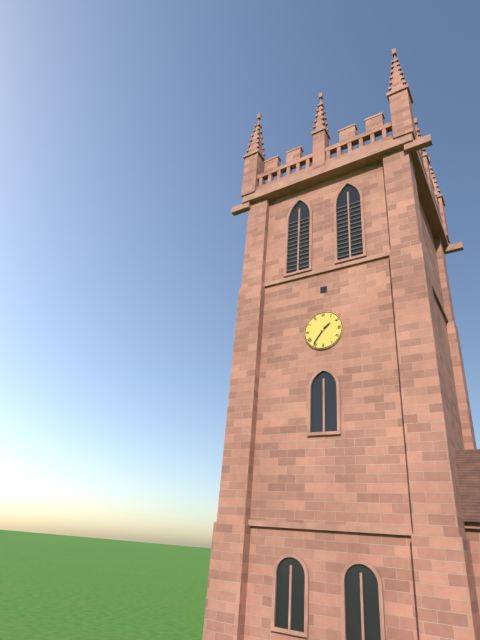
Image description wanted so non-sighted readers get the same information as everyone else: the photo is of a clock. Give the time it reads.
1:36
